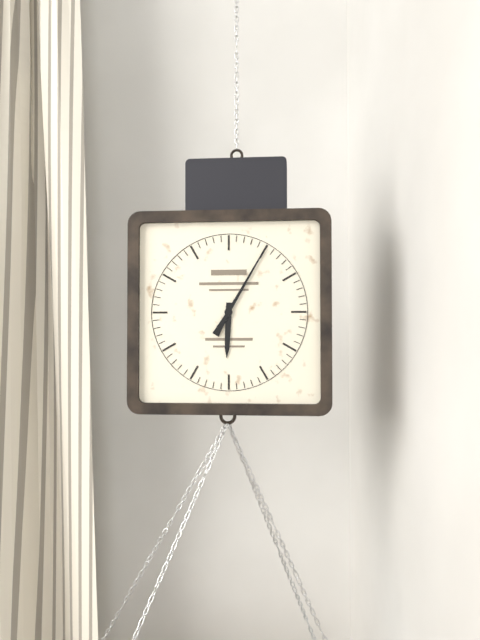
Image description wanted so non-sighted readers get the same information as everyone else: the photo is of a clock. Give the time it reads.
6:05
